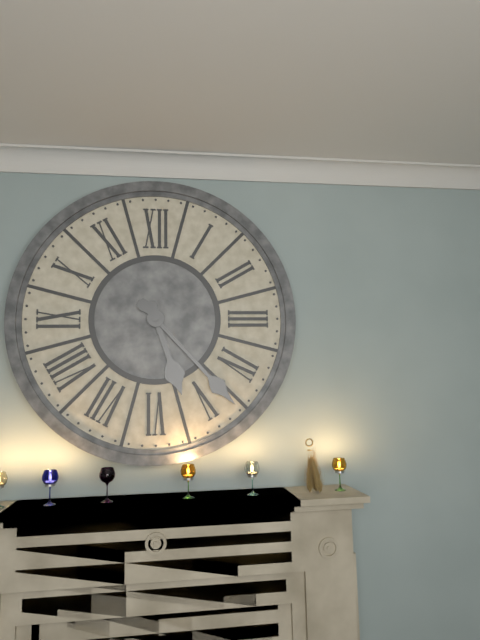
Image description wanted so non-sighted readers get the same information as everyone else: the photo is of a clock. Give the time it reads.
5:23
